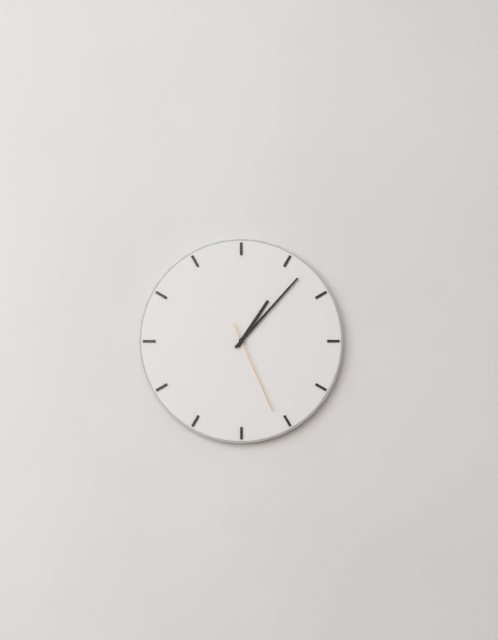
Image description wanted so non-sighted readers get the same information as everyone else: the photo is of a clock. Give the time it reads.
1:07:26
